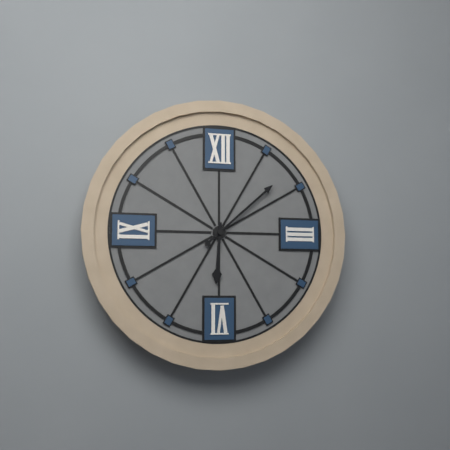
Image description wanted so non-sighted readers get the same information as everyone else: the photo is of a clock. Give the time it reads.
6:08
